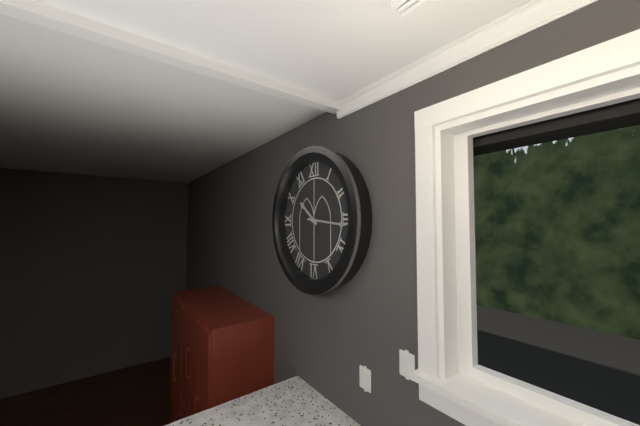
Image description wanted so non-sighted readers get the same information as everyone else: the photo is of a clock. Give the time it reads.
10:16
